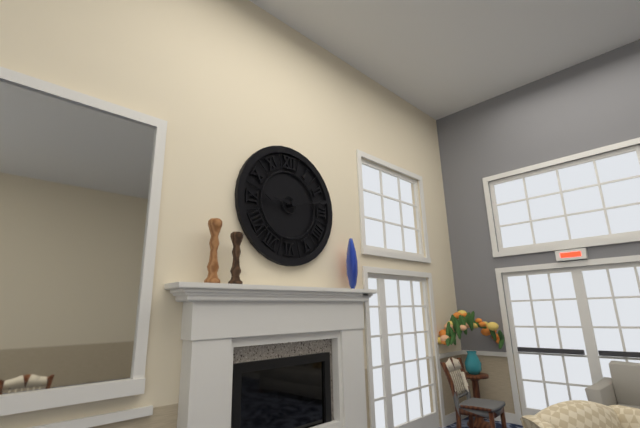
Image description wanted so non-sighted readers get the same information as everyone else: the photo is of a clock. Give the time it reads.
9:13
